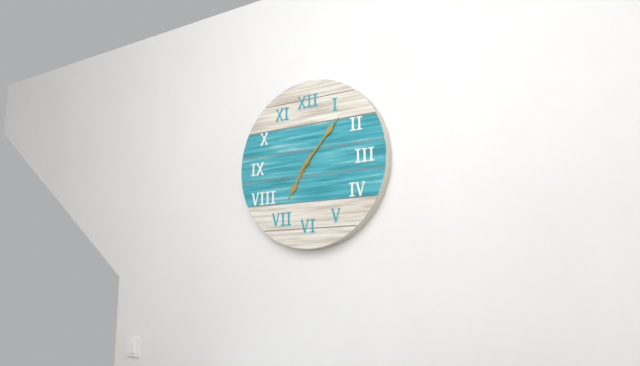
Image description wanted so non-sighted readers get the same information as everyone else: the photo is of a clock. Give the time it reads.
7:07
